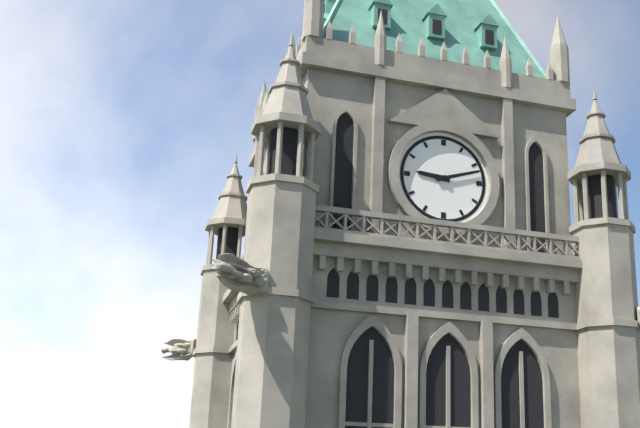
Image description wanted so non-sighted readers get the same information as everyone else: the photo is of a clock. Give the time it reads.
9:12
